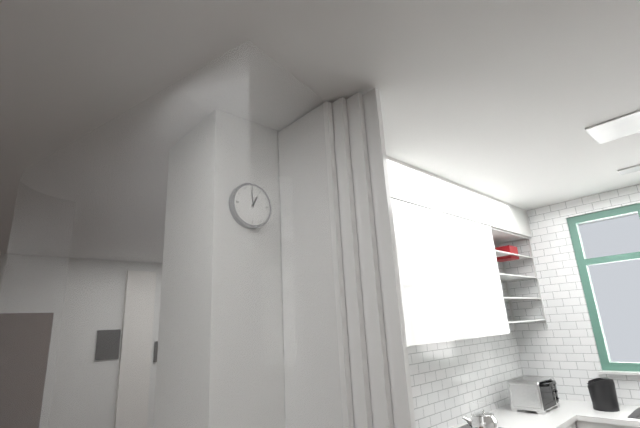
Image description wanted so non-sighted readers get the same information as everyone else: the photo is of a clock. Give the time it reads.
12:59
